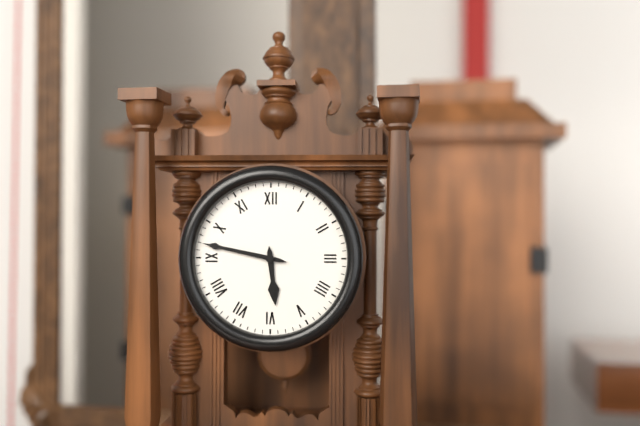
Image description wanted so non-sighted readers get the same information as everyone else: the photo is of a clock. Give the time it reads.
5:47
